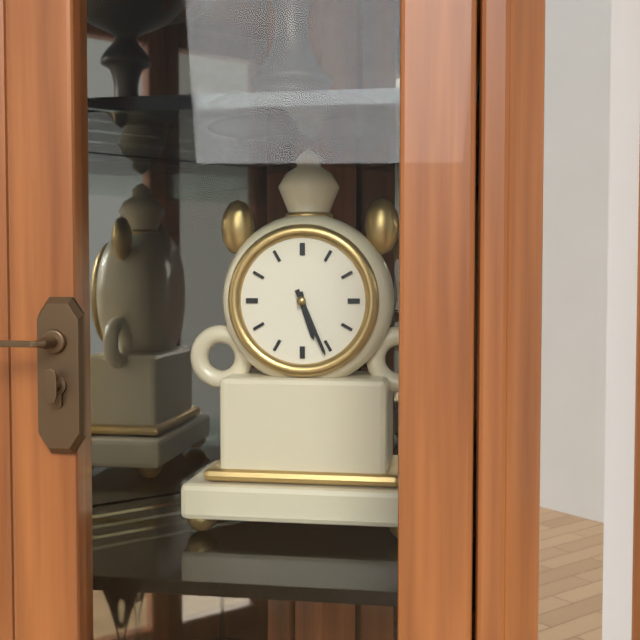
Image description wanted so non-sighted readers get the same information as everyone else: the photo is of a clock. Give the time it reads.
5:26
